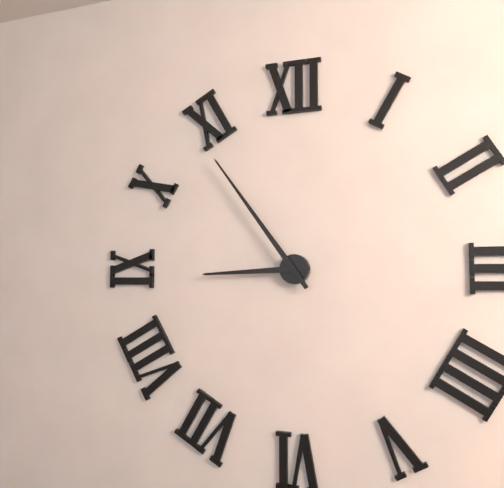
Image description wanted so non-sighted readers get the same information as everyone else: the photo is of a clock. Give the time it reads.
8:54
